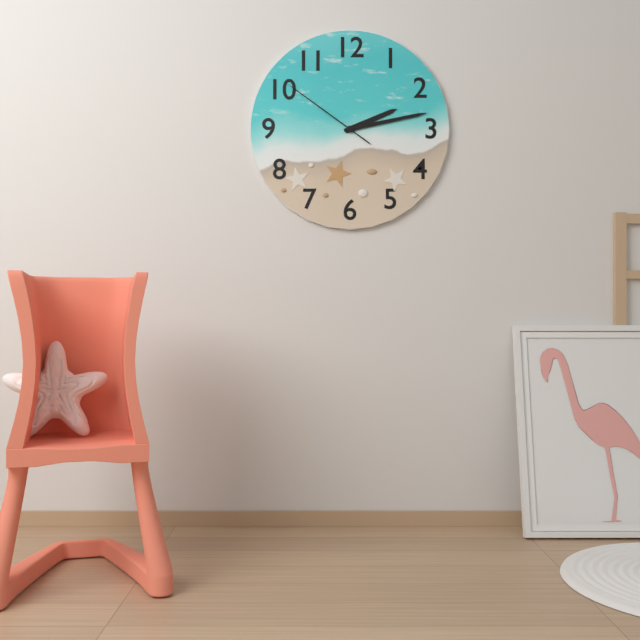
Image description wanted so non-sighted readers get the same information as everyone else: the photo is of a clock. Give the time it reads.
2:13:51
